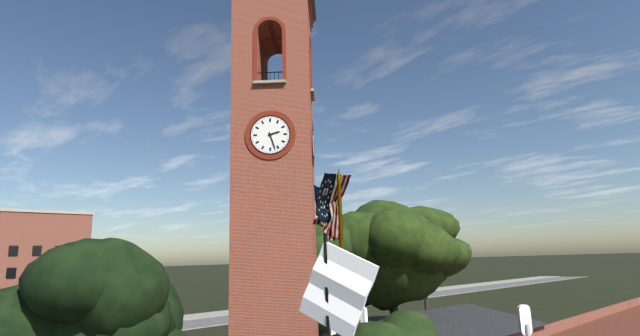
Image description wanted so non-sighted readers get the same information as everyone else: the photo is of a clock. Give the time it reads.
2:27
